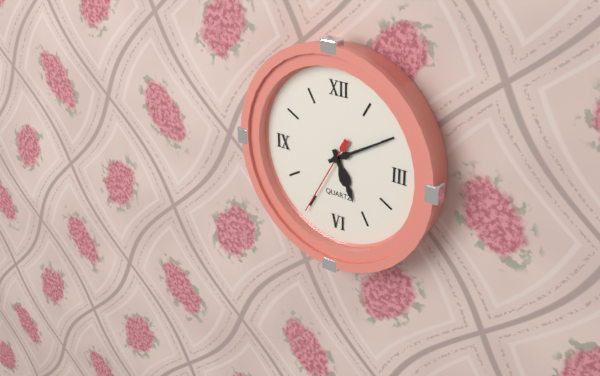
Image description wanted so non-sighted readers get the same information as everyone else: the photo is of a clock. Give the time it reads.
5:10:35
